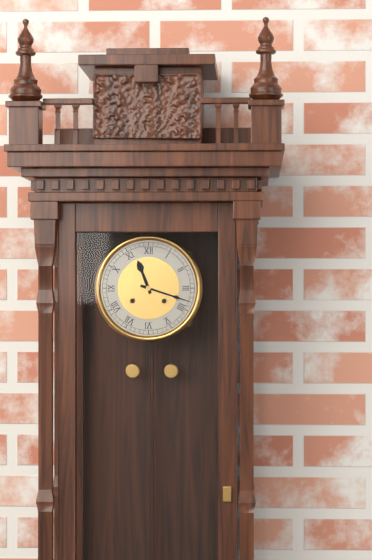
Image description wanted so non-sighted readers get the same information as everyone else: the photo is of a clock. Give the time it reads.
11:18
